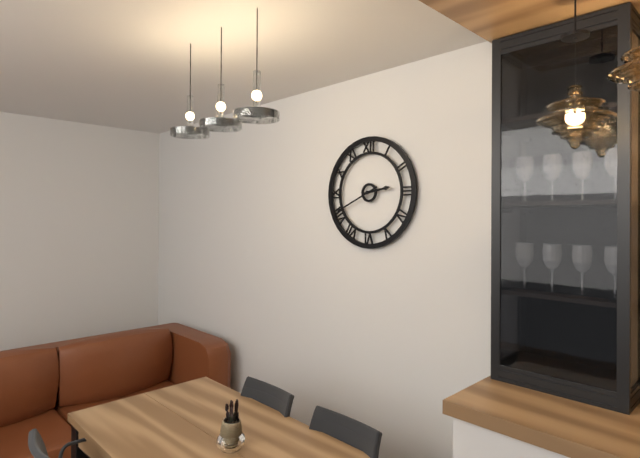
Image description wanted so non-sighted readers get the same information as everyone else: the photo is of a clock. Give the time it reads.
2:41
